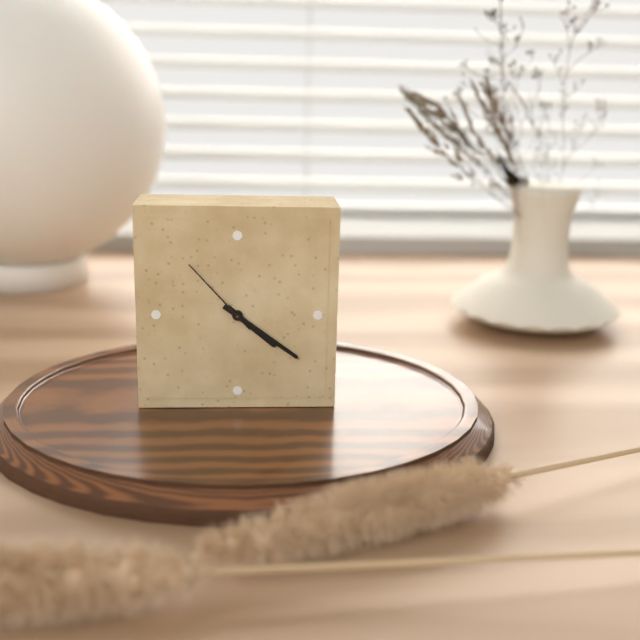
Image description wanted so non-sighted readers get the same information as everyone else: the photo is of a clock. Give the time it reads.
4:21:53
